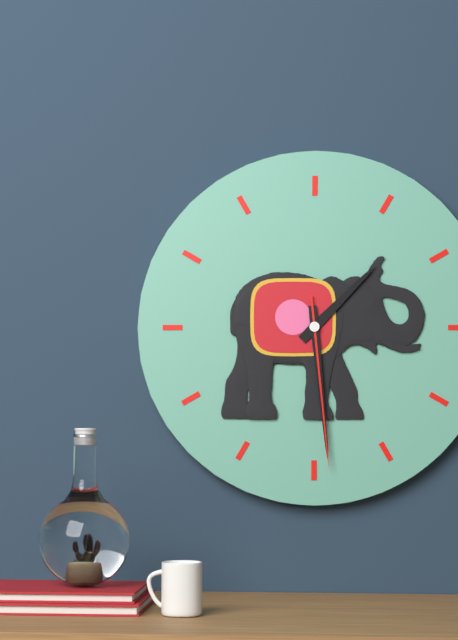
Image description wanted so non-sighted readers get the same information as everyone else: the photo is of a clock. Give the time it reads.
1:29:29
